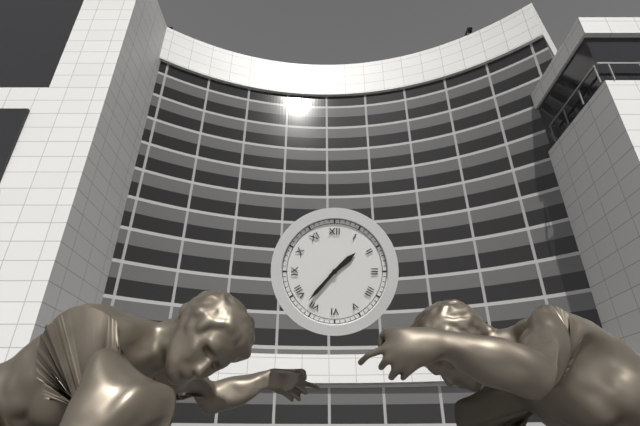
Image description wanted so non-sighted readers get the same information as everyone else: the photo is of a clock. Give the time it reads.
1:37
